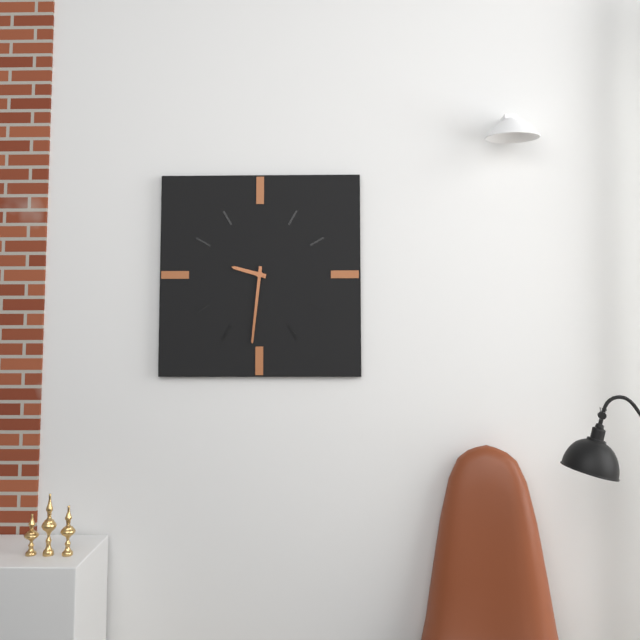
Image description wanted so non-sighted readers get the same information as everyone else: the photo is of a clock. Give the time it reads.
9:31
